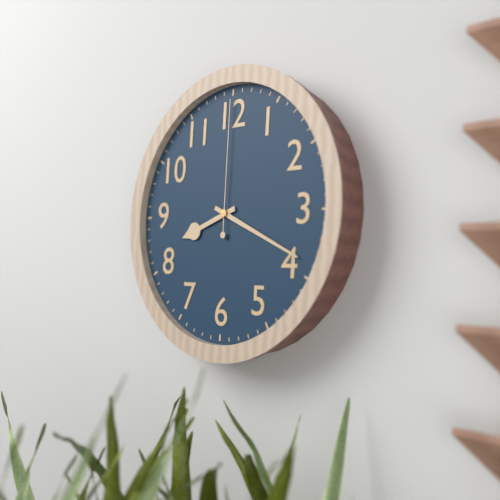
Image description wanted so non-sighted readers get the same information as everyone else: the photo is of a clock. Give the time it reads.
8:19:00
